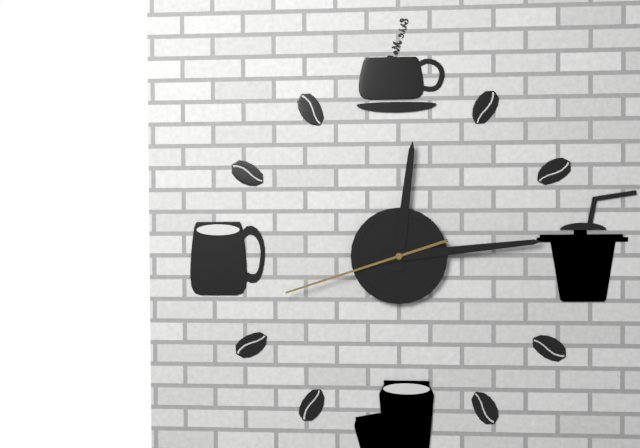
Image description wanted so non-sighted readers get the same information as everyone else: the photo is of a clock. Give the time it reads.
12:14:42
